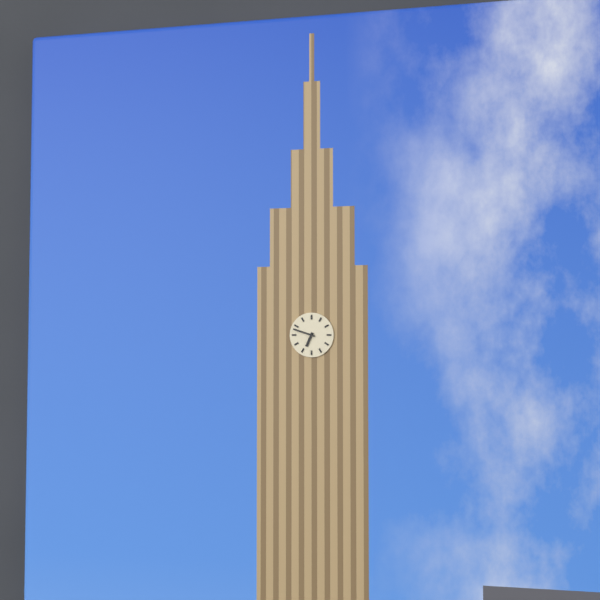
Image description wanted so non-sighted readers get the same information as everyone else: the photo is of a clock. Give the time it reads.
6:48
